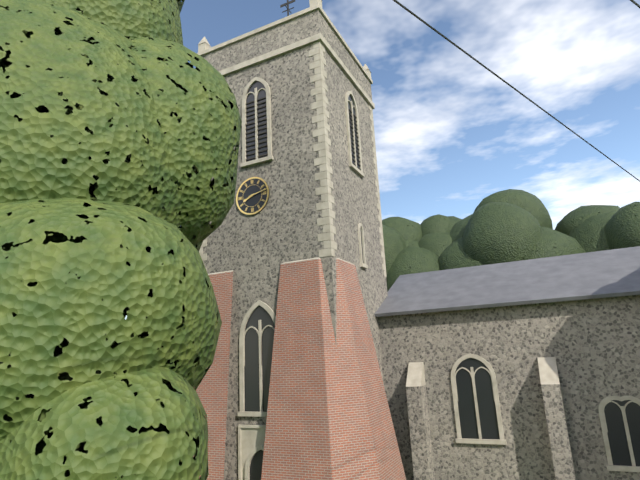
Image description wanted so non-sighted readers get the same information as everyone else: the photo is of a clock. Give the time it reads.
8:13
